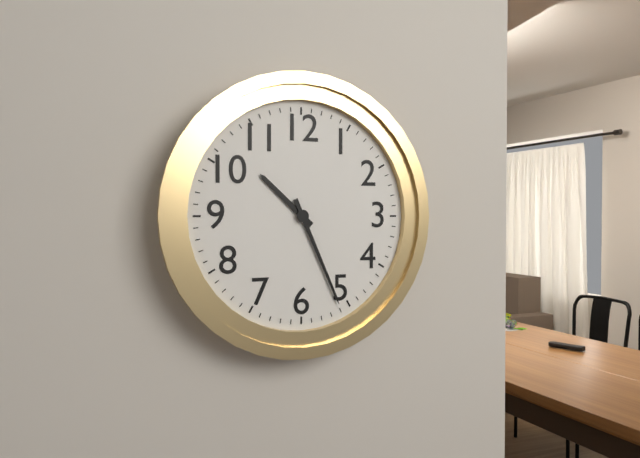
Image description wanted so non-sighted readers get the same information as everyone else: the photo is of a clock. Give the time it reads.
10:26
